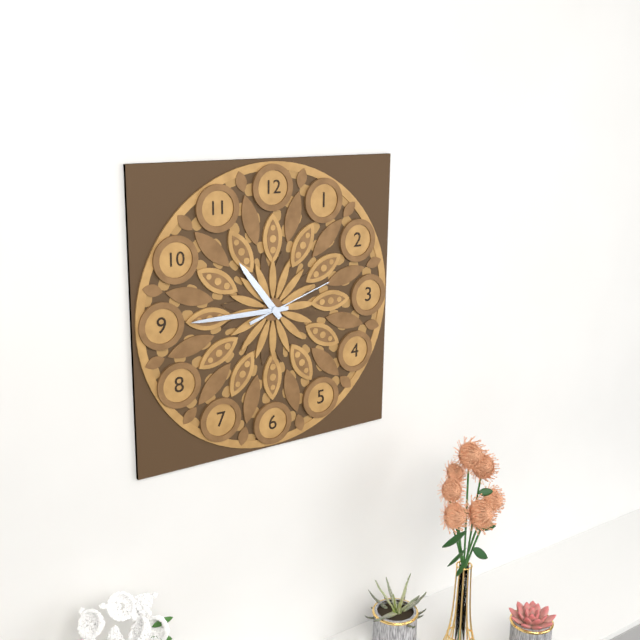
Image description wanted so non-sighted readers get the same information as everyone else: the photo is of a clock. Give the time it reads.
10:45:12
